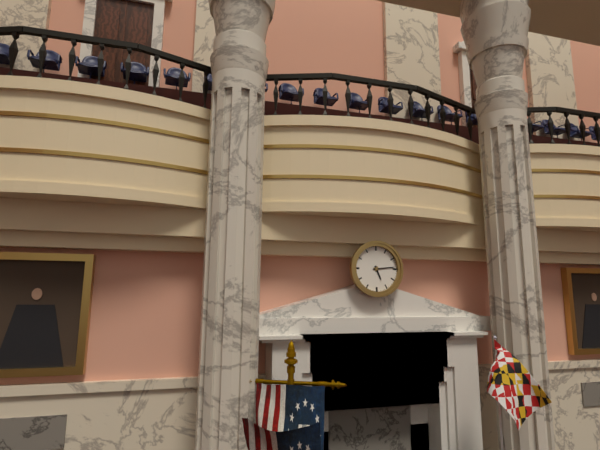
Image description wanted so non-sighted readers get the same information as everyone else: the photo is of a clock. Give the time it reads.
5:14
